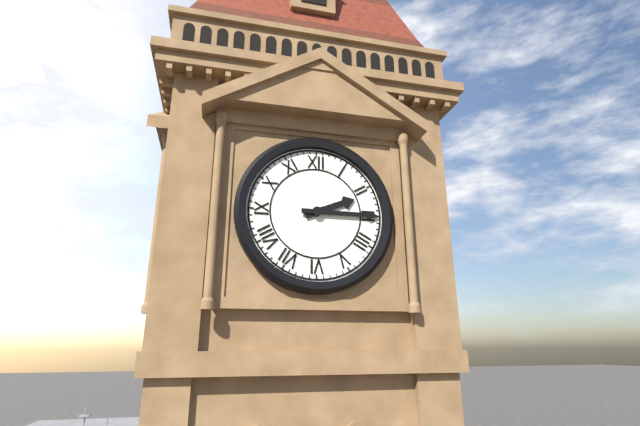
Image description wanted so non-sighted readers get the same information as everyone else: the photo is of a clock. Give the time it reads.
2:15
